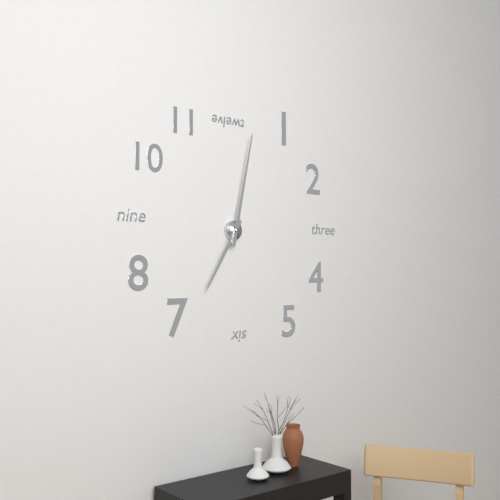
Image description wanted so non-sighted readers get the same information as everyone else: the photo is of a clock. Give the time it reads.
7:02
